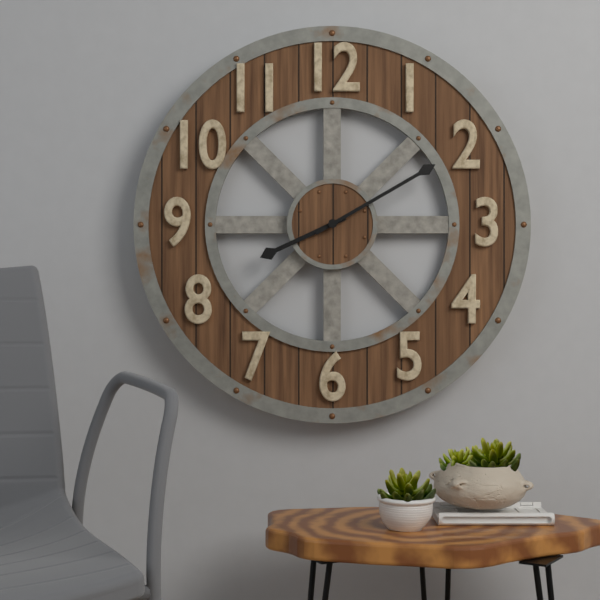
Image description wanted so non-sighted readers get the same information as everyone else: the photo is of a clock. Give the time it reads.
8:10
